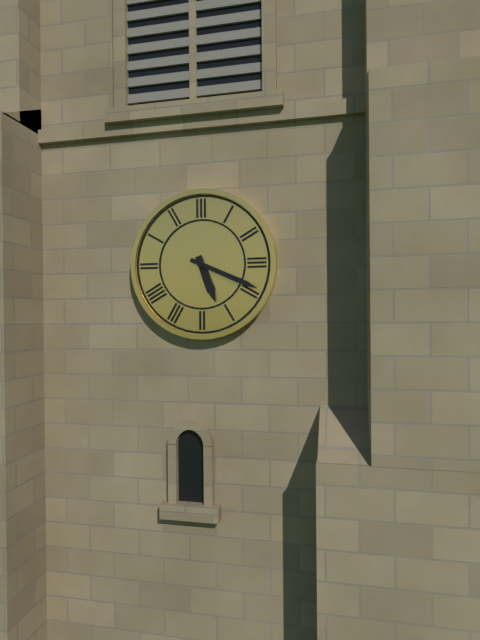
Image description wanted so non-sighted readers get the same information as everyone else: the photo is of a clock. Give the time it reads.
5:19
